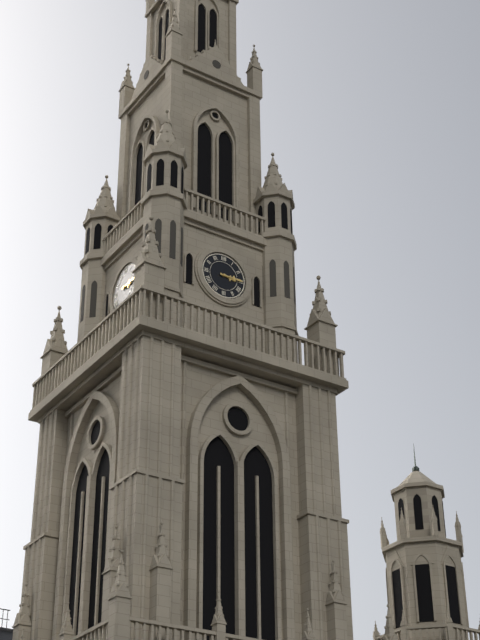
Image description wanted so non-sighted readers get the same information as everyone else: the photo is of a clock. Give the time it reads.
3:15
